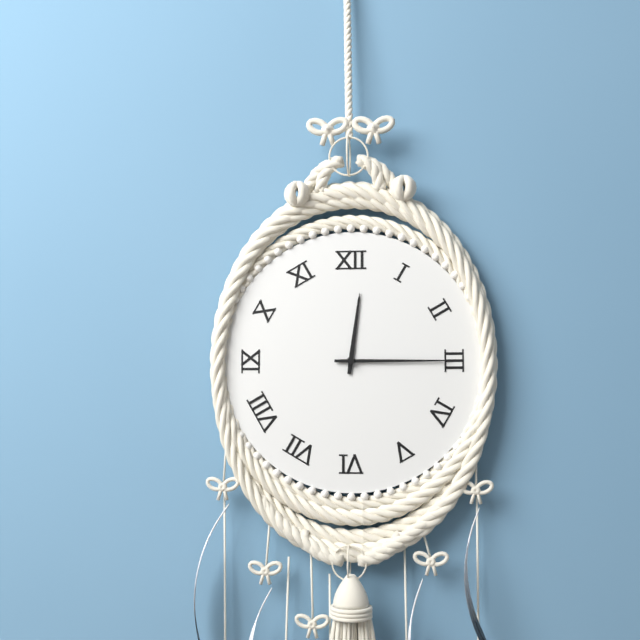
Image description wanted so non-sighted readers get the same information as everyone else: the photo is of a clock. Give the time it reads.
12:15
